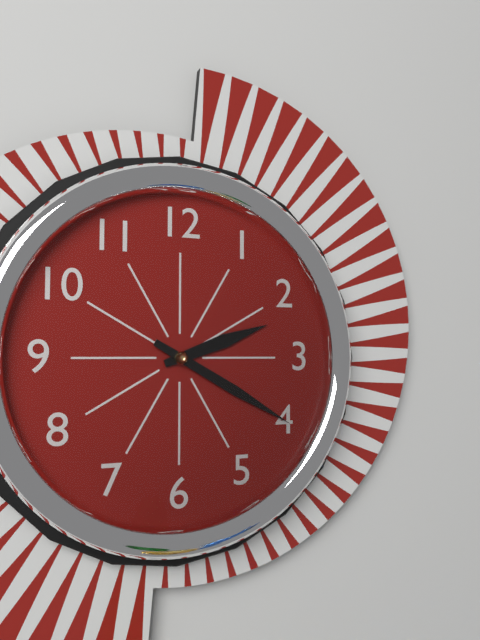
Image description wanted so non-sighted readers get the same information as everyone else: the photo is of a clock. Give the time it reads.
2:20
